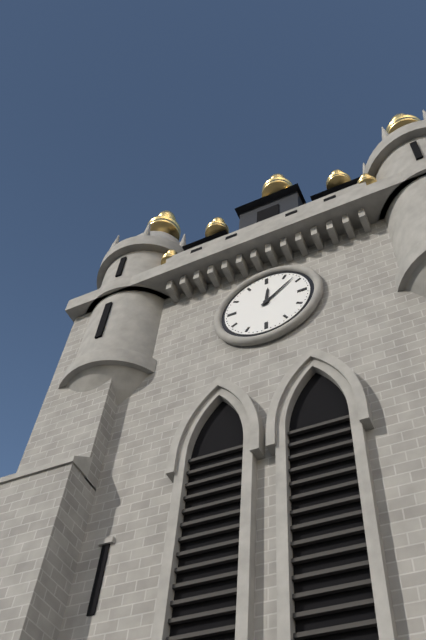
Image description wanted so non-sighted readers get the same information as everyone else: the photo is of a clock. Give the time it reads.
12:08
